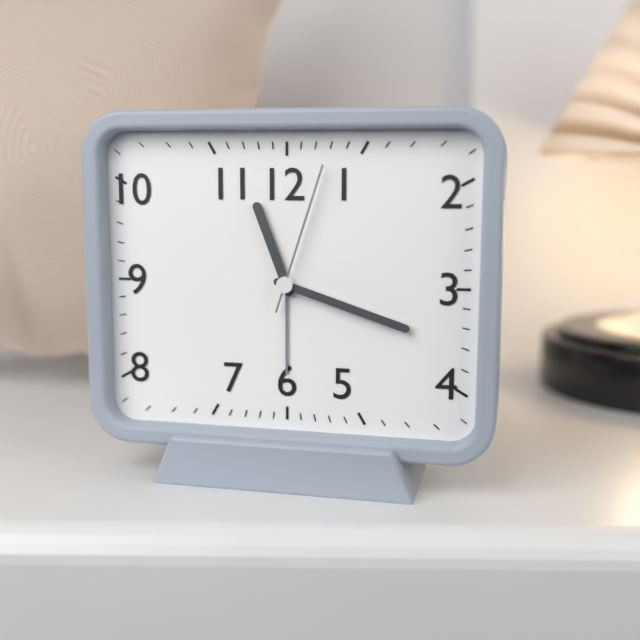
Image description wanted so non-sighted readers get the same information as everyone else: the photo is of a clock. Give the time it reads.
11:18:03
